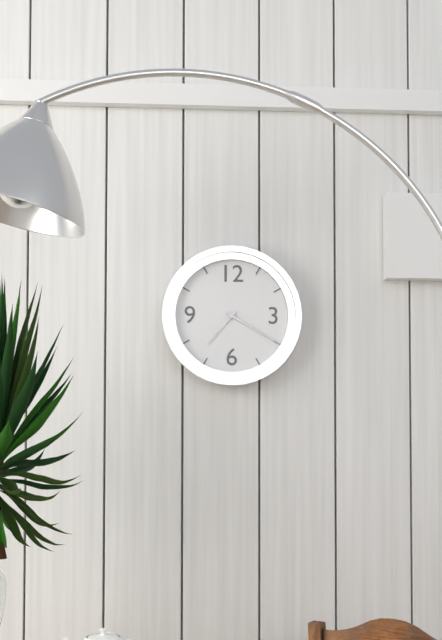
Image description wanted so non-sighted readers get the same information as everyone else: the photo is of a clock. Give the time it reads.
7:20
